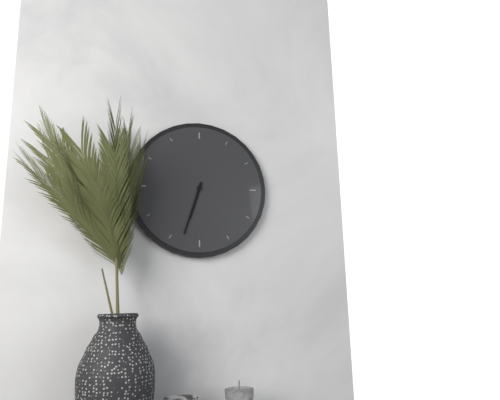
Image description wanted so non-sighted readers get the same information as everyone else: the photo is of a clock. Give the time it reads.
6:33
